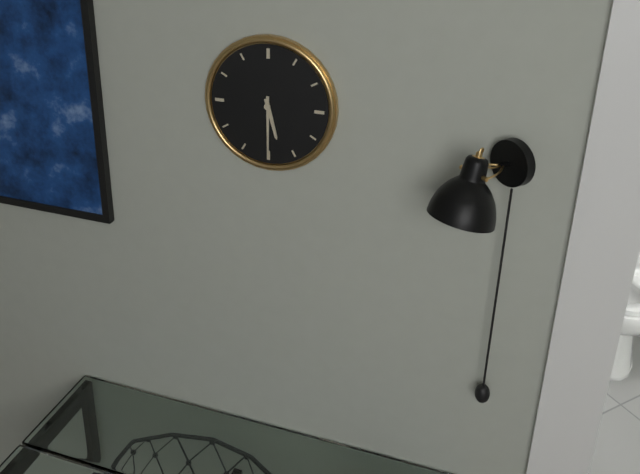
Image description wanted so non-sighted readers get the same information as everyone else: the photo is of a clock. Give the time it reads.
5:30
